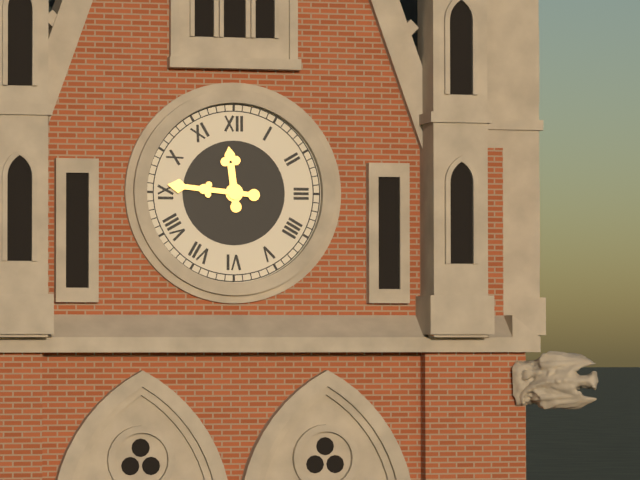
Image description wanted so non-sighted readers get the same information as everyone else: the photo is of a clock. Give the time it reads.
11:46
